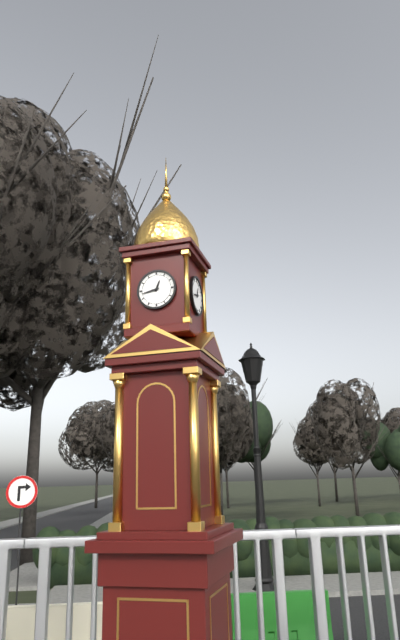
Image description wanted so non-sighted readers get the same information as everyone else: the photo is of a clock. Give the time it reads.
12:43
